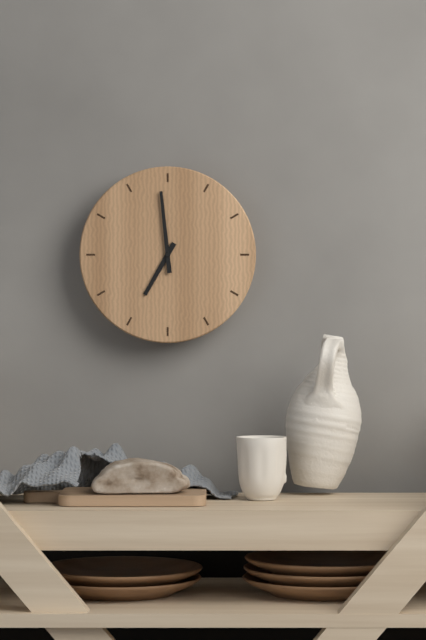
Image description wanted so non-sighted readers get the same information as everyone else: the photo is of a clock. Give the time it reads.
6:59
